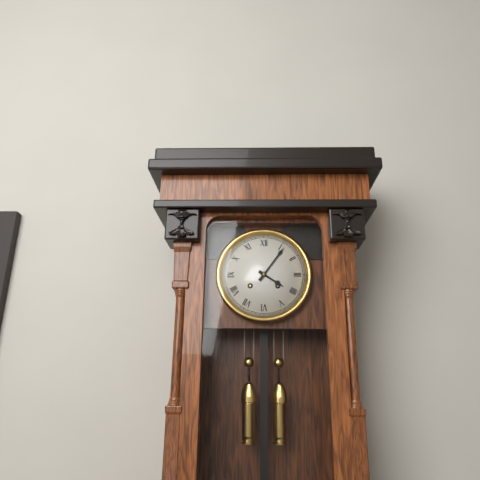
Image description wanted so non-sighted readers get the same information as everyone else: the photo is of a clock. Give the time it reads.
4:06
